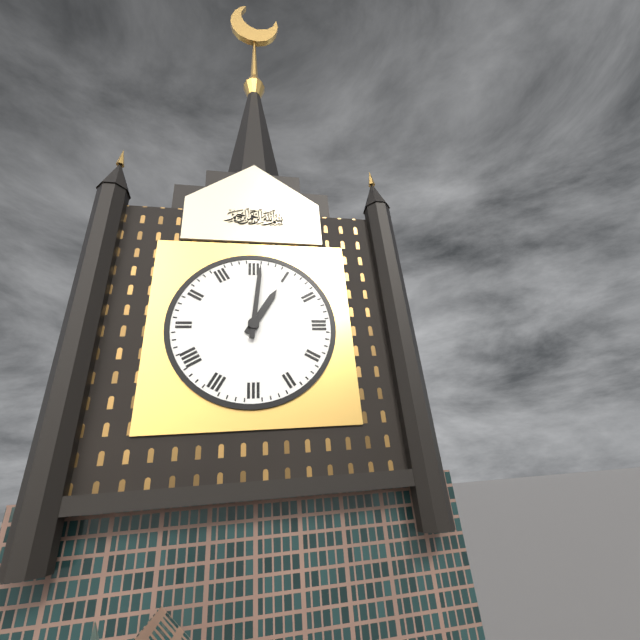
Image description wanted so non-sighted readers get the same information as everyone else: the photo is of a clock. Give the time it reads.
1:01
